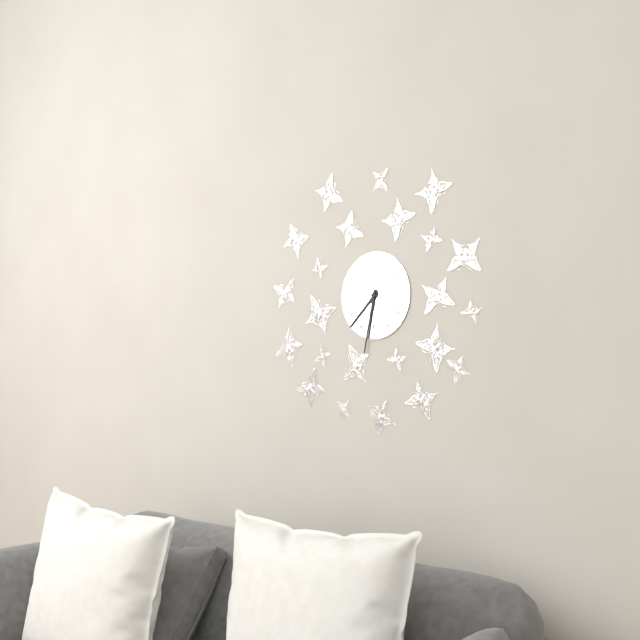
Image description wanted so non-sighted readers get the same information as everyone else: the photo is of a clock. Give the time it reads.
7:32
